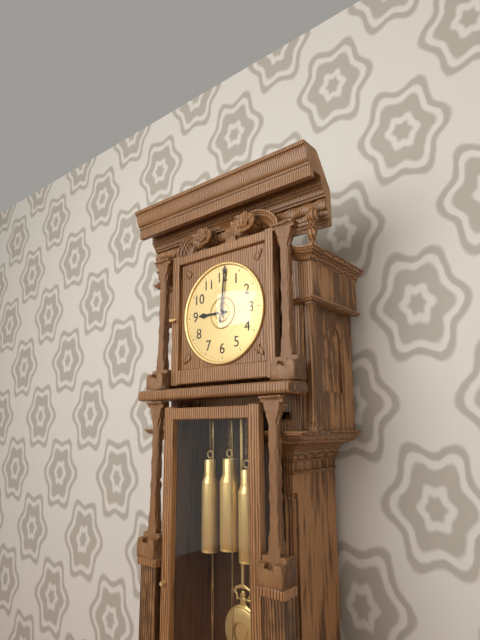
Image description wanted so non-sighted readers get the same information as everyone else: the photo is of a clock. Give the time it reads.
9:01
